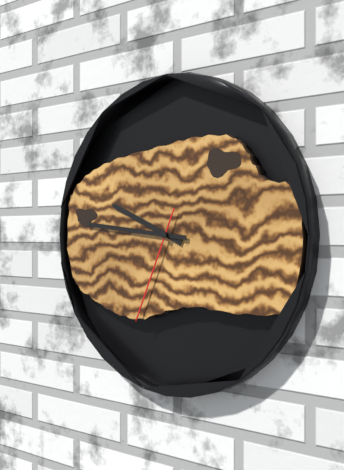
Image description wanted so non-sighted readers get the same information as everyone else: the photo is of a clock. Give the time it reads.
9:46:34
